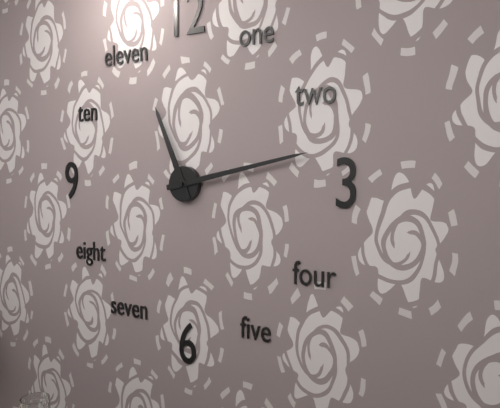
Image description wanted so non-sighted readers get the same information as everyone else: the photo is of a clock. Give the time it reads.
11:13
